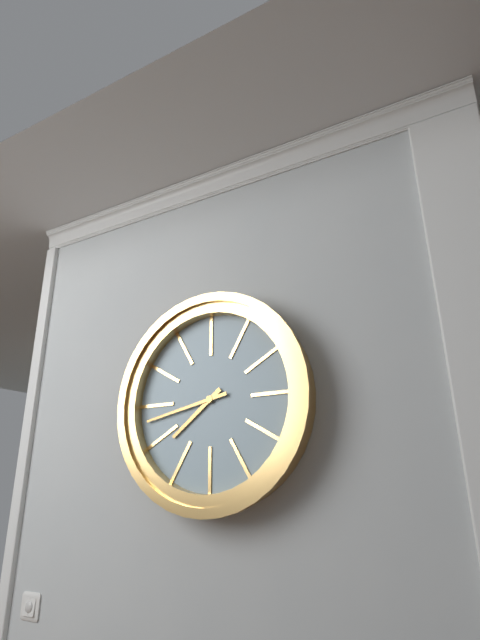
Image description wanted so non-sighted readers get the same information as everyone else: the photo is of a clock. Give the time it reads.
7:43
